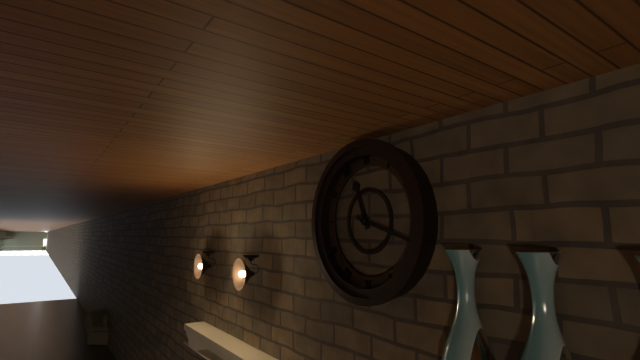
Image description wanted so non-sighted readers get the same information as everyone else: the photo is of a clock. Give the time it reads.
11:18
